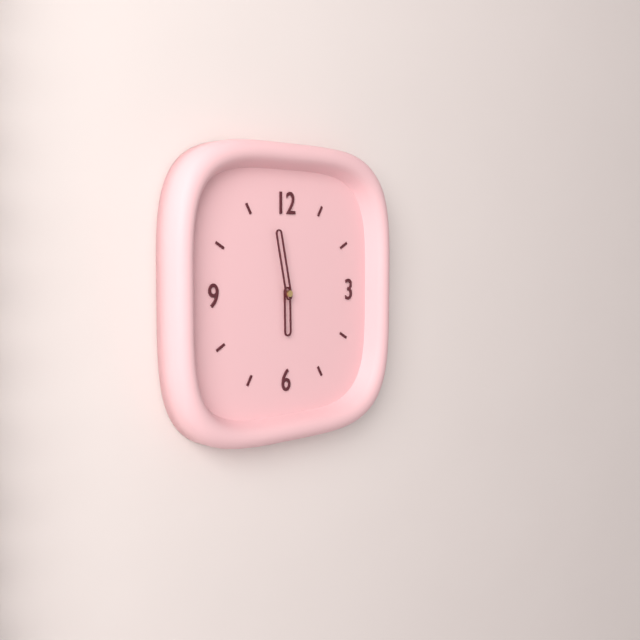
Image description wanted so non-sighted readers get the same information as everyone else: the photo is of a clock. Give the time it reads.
5:58
